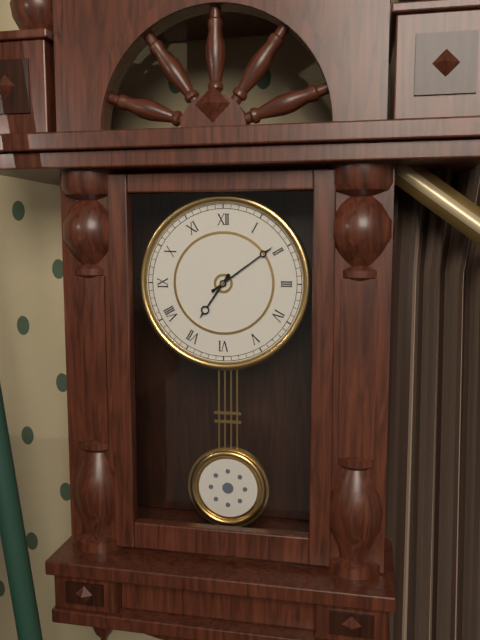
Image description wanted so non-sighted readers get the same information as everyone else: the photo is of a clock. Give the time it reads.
7:09
